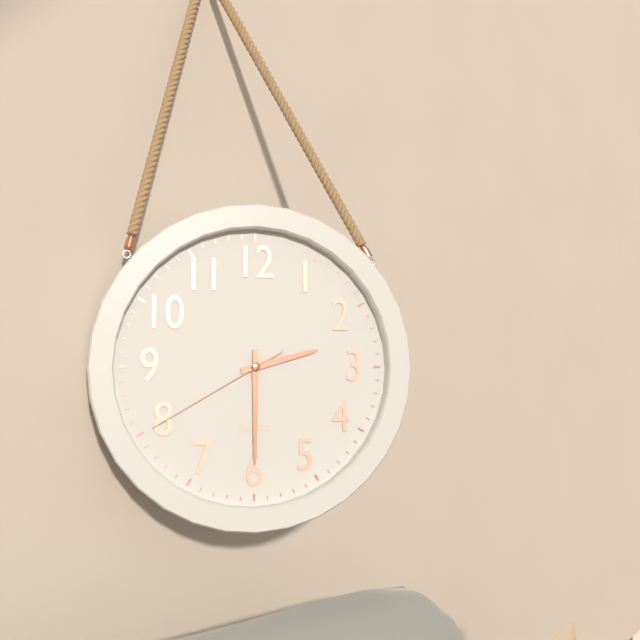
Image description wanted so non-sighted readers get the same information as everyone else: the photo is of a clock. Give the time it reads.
2:30:40
